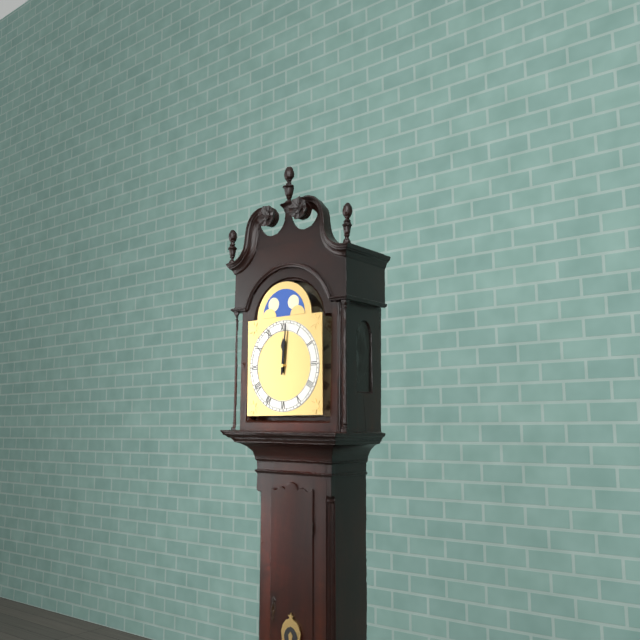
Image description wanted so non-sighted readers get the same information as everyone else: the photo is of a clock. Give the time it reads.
12:01
